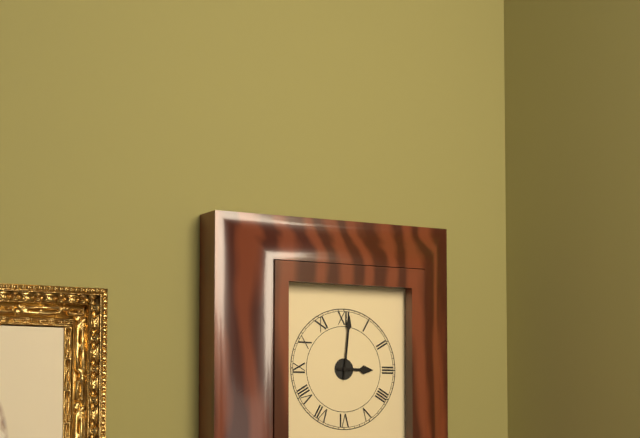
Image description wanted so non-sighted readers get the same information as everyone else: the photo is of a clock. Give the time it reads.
3:01
